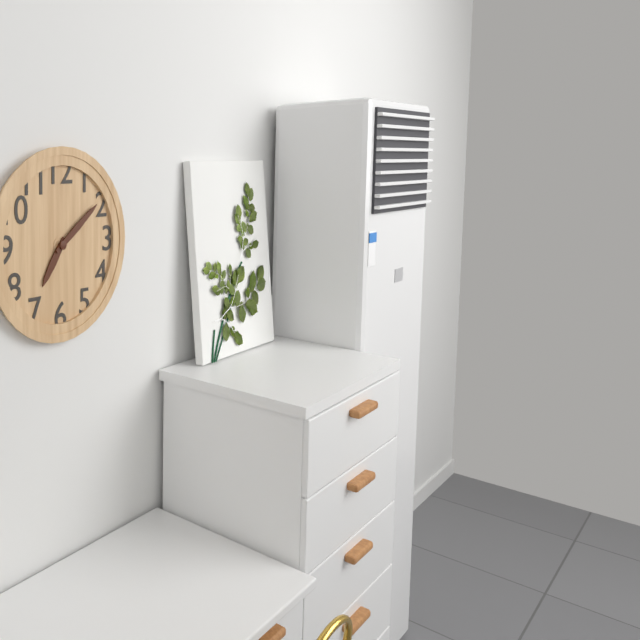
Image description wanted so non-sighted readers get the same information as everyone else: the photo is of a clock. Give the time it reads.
7:09
